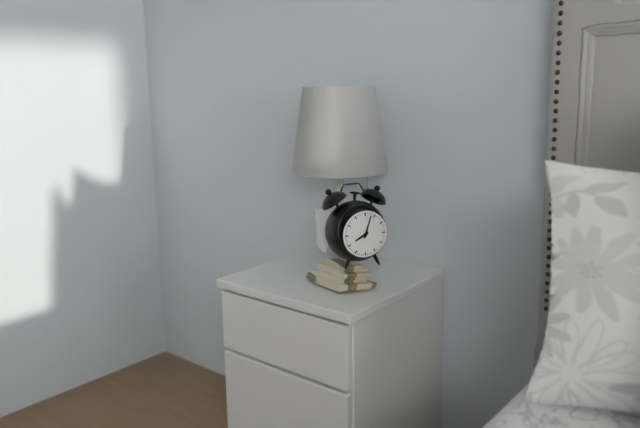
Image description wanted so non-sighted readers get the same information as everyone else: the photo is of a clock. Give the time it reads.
8:03
